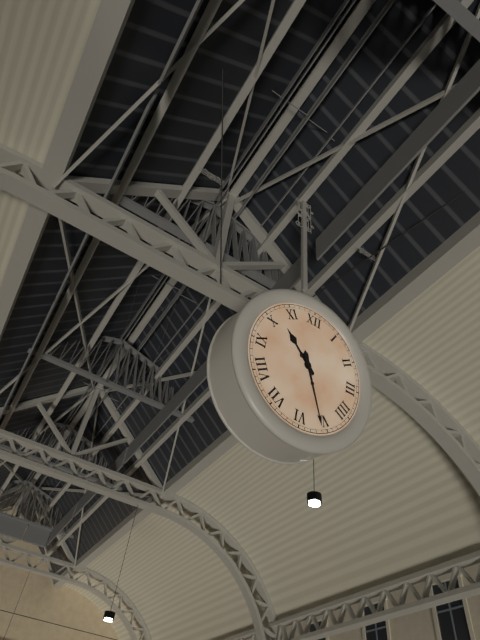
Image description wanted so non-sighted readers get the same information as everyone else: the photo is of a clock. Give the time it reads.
10:26
